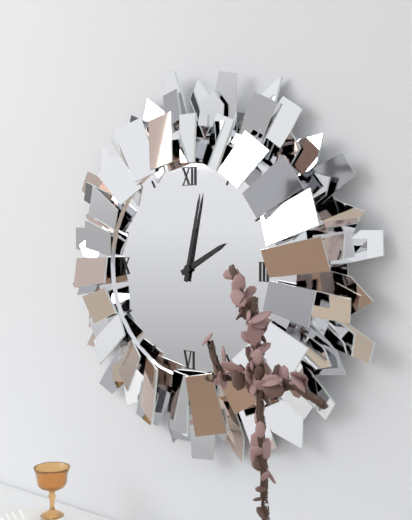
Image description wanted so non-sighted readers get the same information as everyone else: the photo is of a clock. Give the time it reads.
2:02
